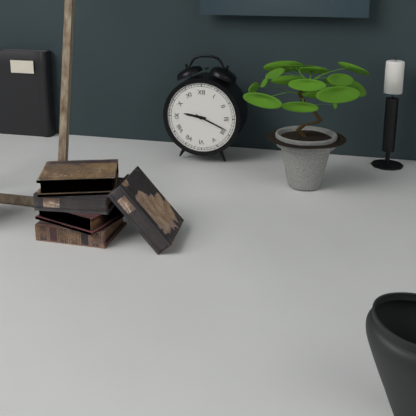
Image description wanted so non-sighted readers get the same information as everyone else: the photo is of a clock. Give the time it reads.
9:19
